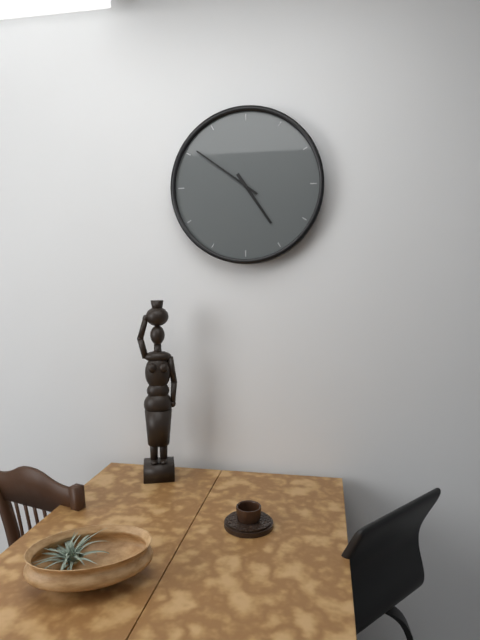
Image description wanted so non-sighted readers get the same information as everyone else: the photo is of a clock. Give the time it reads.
4:51
